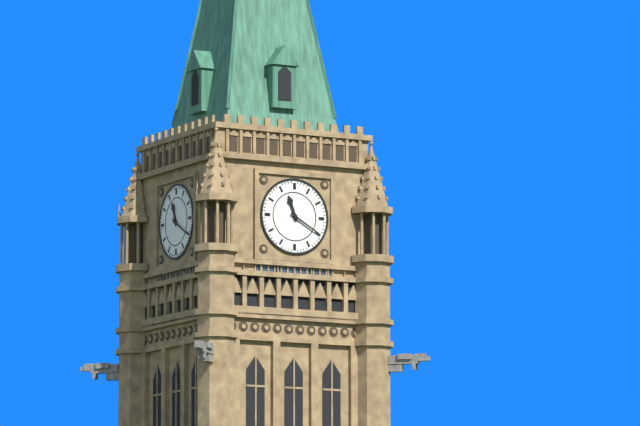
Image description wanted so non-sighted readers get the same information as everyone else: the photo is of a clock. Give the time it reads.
11:20
